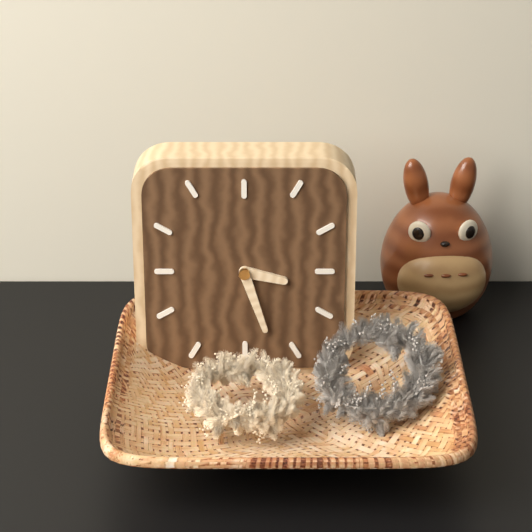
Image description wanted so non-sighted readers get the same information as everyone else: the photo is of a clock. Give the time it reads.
3:27
